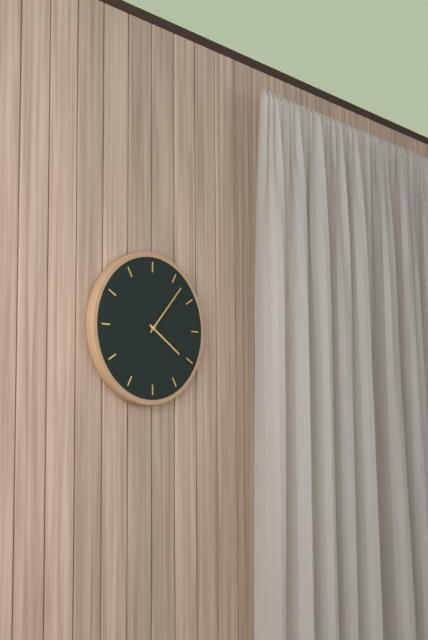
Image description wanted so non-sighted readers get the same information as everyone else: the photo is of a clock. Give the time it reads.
4:07
